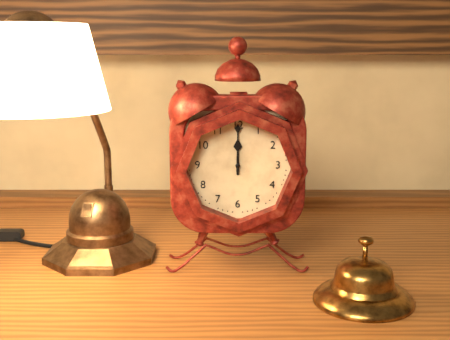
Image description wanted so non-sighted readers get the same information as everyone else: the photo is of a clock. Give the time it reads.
12:00
